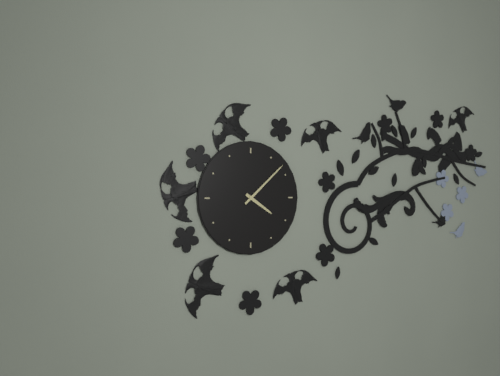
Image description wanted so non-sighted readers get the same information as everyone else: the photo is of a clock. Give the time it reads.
4:08
